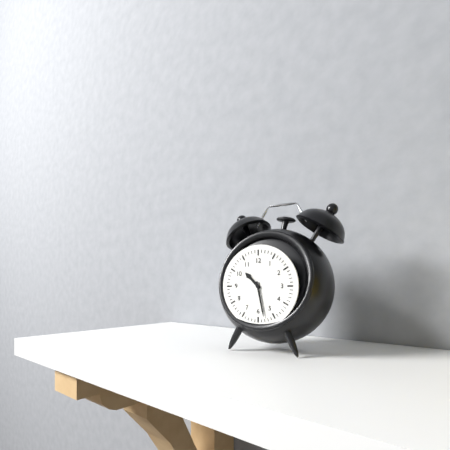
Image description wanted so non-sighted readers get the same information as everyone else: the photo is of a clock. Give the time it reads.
10:28
